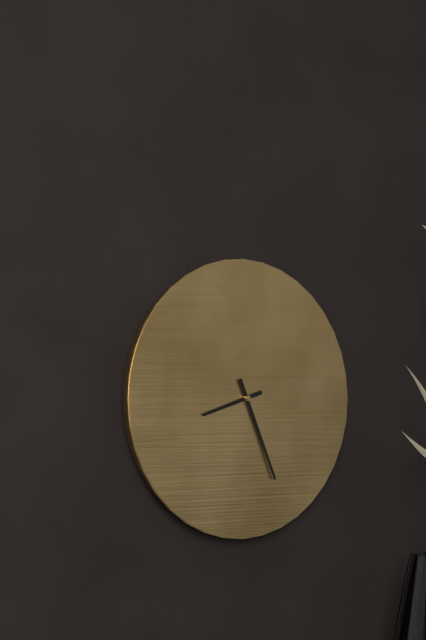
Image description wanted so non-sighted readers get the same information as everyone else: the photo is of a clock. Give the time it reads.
8:26
